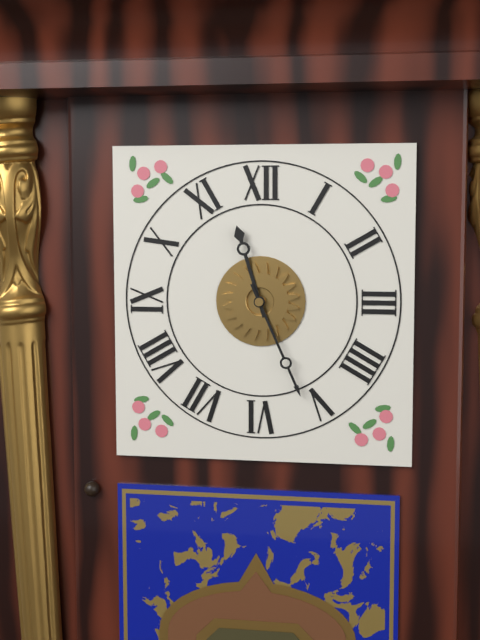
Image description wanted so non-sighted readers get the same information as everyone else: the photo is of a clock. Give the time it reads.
11:26
